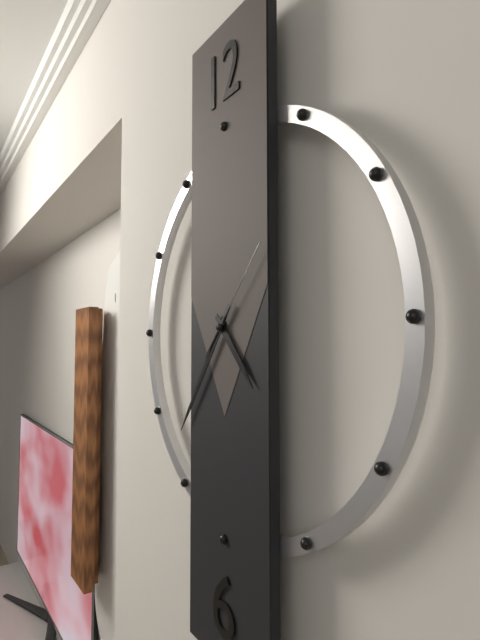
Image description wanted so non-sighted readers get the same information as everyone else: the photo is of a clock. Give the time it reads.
4:36:07
